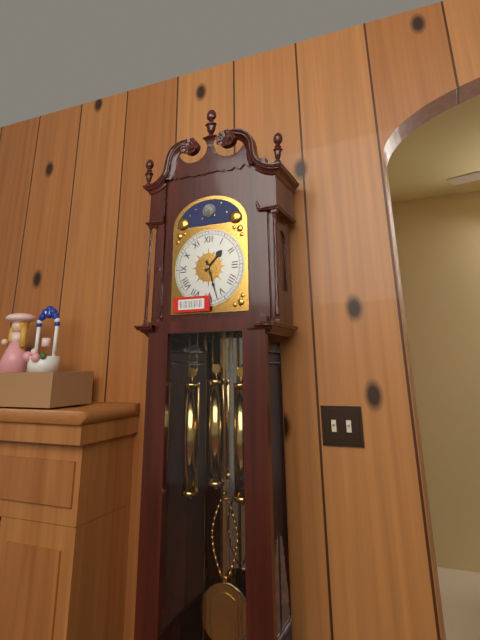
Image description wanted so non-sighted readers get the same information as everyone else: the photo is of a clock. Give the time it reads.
1:27
